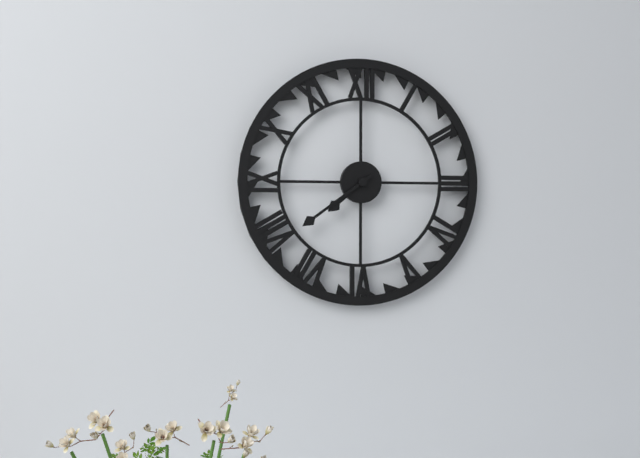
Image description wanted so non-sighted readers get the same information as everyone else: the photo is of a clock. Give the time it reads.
7:39
